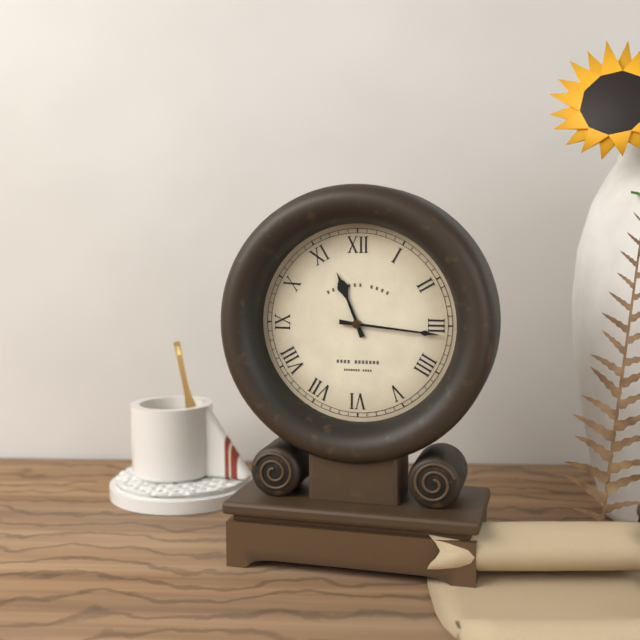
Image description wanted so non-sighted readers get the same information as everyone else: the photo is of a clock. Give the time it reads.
11:16
